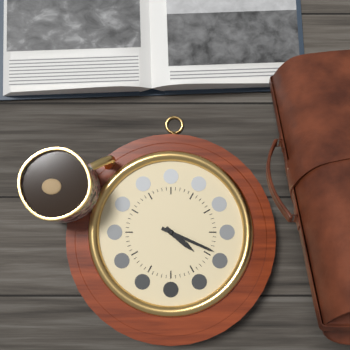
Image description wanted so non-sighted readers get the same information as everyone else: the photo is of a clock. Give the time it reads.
4:19
